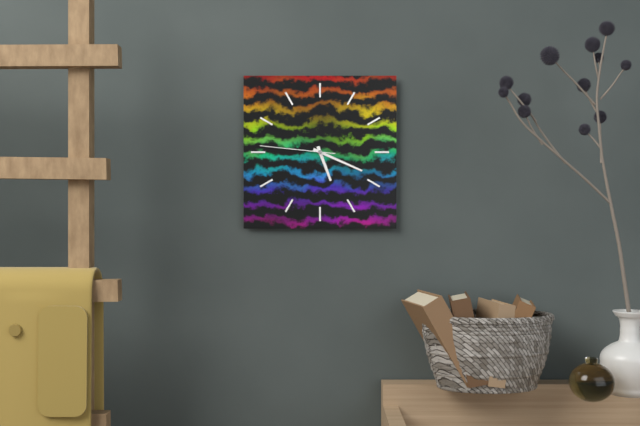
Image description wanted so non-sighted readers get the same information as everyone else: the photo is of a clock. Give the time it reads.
5:19:46
